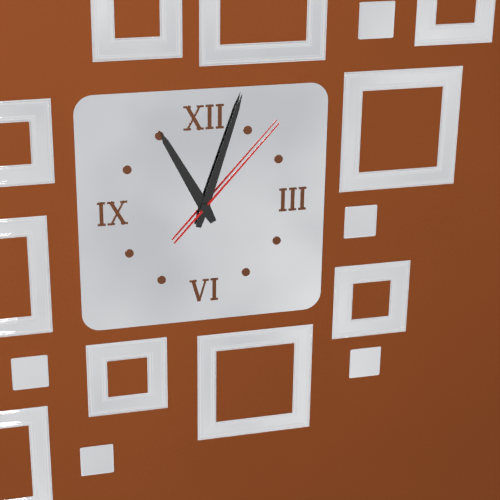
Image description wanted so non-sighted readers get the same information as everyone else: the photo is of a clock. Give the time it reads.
11:03:07
